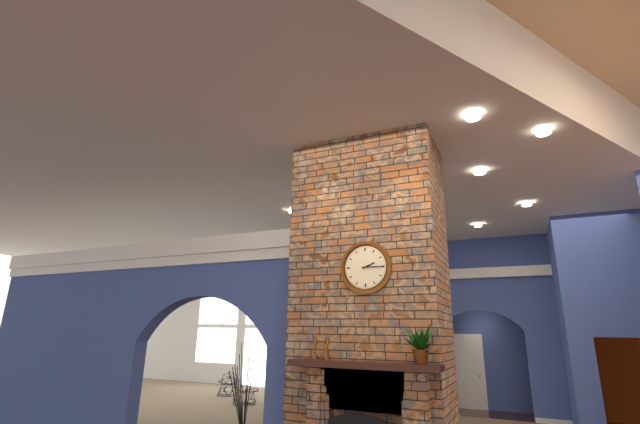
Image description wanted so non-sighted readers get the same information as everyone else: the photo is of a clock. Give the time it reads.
2:15
